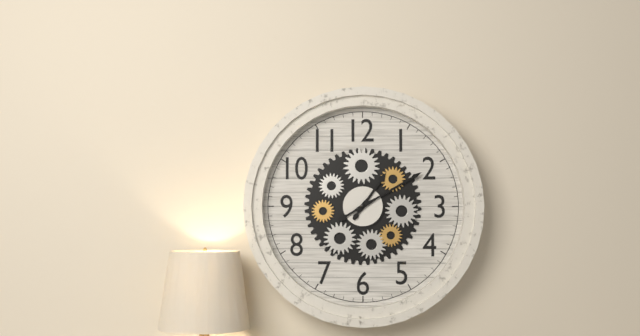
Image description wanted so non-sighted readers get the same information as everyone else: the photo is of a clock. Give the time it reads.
1:10
